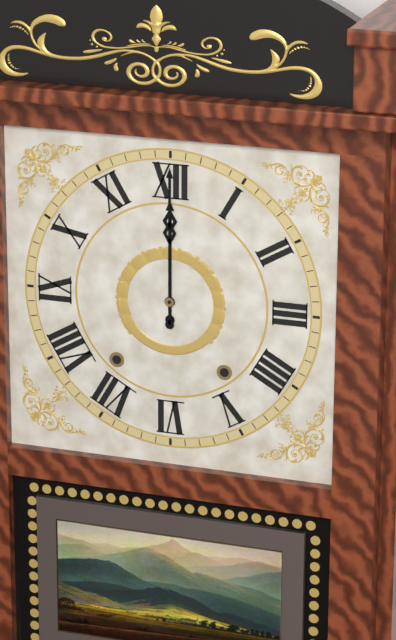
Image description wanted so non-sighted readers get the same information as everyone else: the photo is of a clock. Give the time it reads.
12:00
